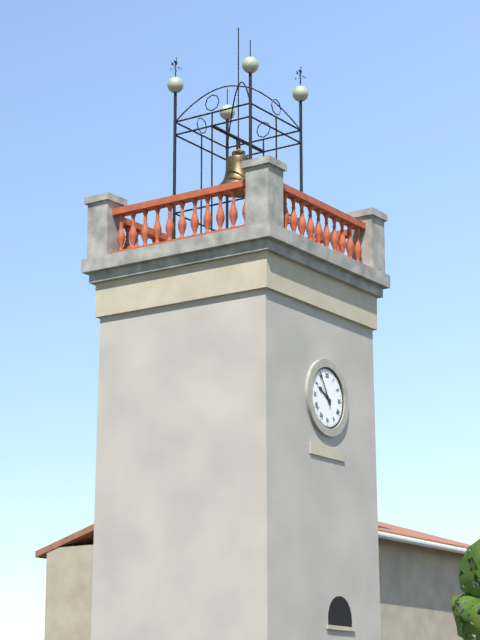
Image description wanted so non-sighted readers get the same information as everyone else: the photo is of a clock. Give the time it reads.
9:55
